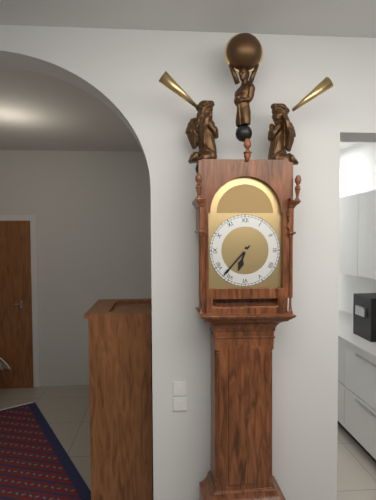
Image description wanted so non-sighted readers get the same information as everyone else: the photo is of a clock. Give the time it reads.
6:37
